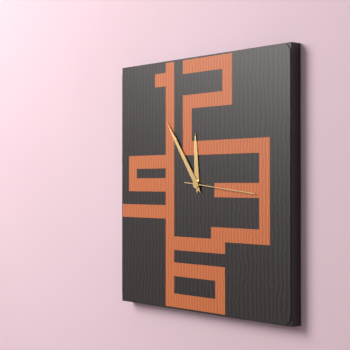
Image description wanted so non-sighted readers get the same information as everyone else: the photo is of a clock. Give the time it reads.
11:54:16
